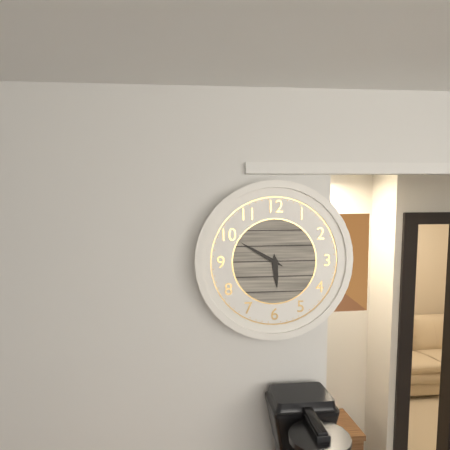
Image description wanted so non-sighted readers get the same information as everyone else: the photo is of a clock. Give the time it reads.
5:50
